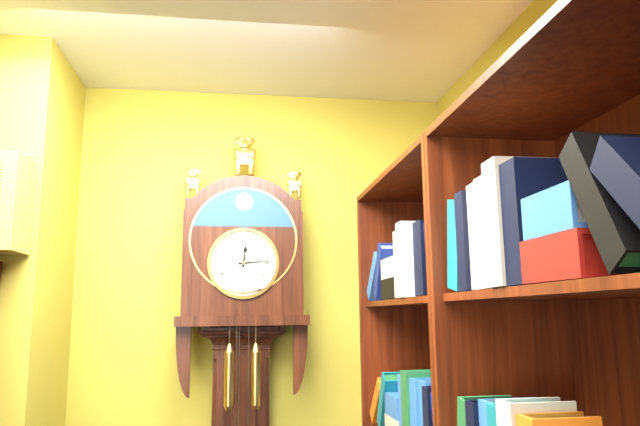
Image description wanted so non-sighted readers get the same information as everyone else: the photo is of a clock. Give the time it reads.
12:14
